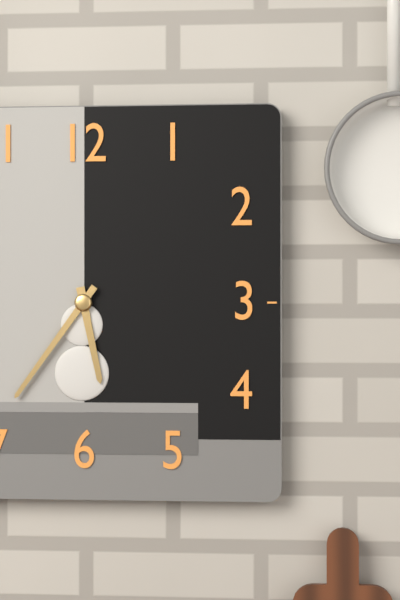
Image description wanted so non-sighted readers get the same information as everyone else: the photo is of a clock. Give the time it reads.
5:36
